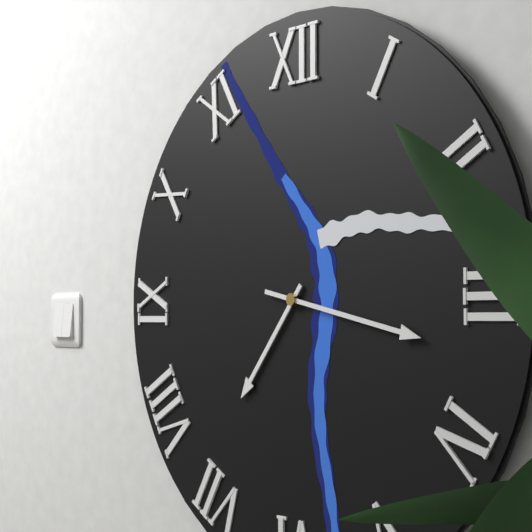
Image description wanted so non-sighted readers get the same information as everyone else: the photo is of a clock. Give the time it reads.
7:17
